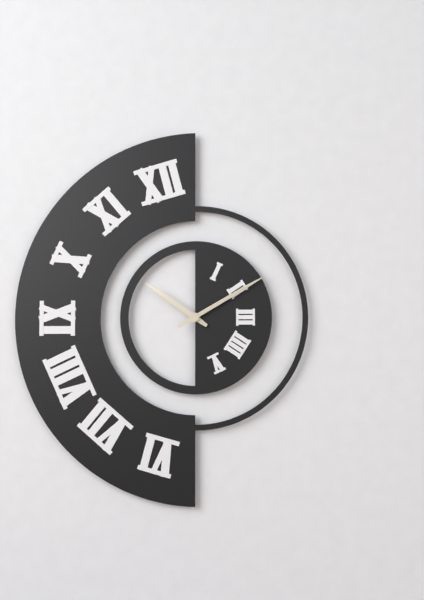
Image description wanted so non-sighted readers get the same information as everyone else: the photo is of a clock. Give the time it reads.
10:10
